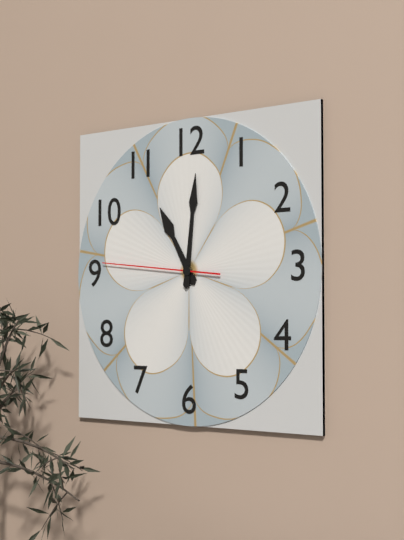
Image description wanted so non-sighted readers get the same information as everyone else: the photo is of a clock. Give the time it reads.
11:01:46
